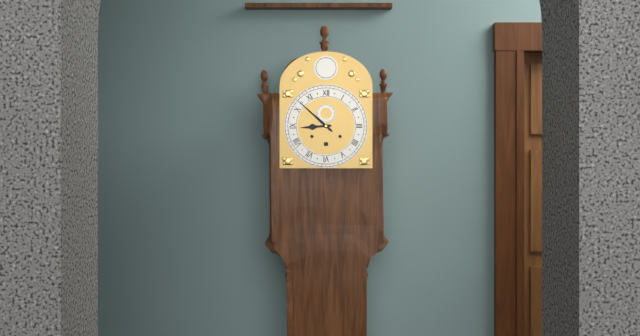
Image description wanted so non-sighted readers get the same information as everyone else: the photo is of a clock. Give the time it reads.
8:52
